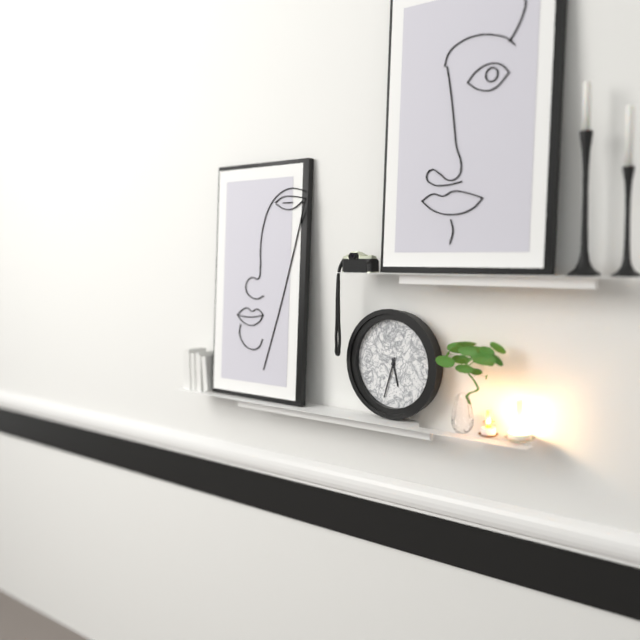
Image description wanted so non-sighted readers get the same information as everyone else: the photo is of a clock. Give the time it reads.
5:33
